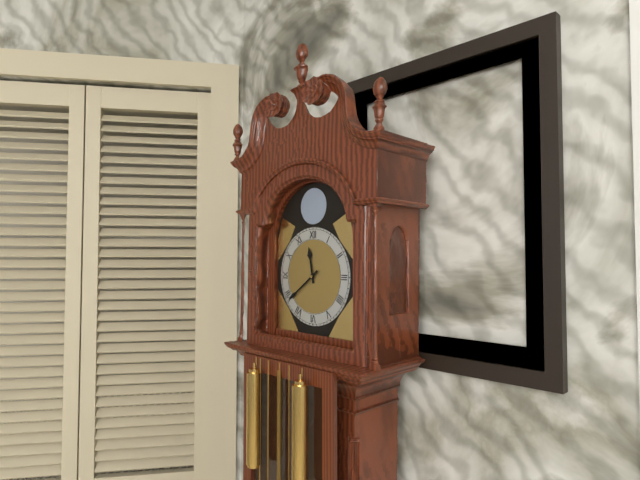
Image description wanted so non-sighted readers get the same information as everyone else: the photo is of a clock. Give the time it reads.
11:39
